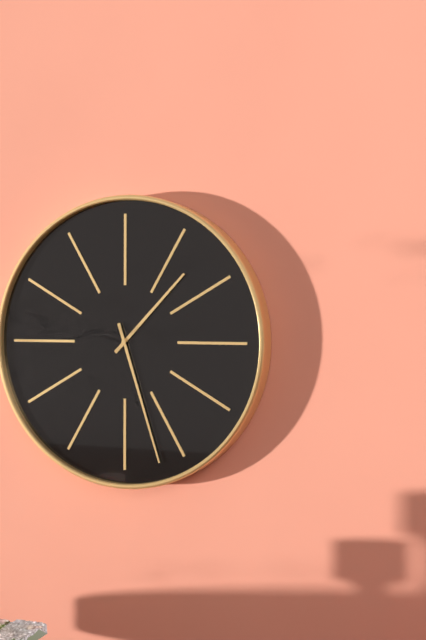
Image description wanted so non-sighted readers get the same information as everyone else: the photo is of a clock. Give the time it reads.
1:27
